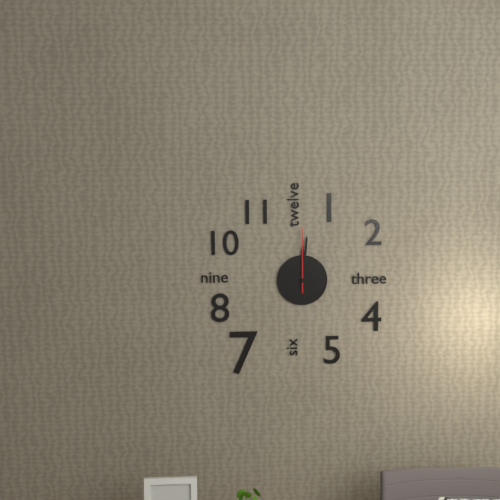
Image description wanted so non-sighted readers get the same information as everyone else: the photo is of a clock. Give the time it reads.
12:01:00
